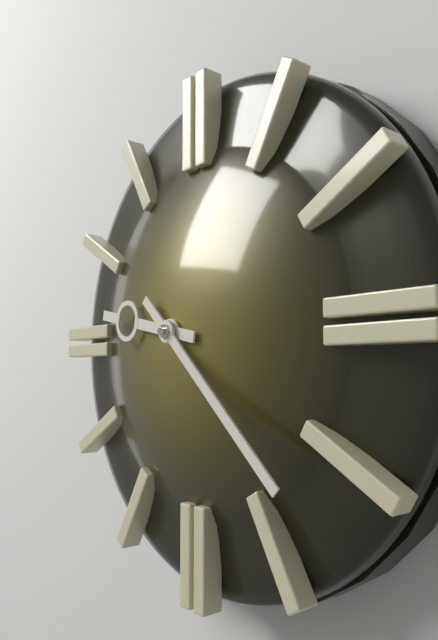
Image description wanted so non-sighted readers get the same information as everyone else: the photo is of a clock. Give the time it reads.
9:22
